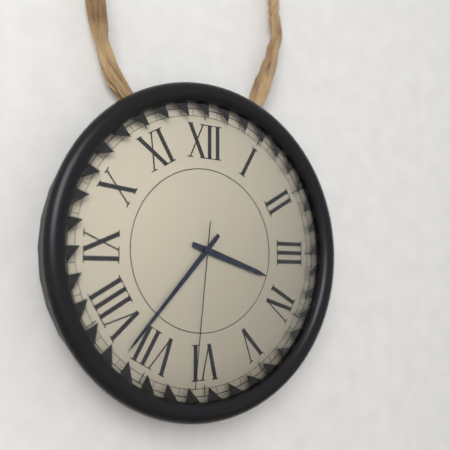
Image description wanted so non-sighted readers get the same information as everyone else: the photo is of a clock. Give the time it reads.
3:37:31
